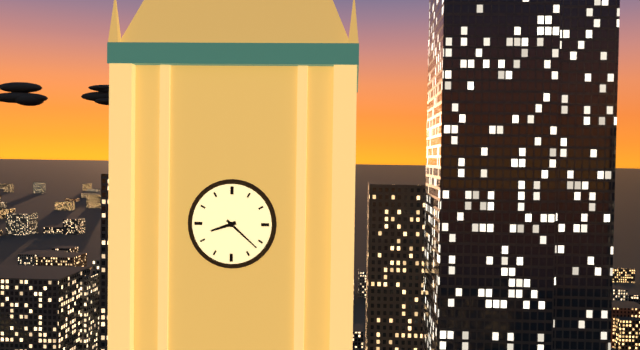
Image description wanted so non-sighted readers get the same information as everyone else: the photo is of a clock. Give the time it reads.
8:22
